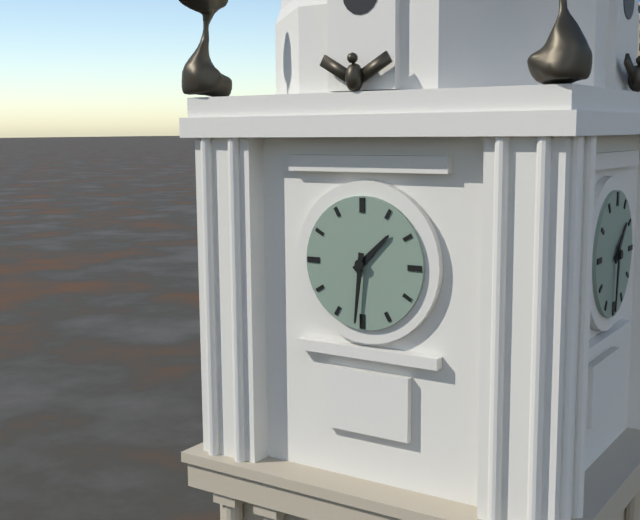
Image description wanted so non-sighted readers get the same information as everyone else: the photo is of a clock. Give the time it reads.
1:31
